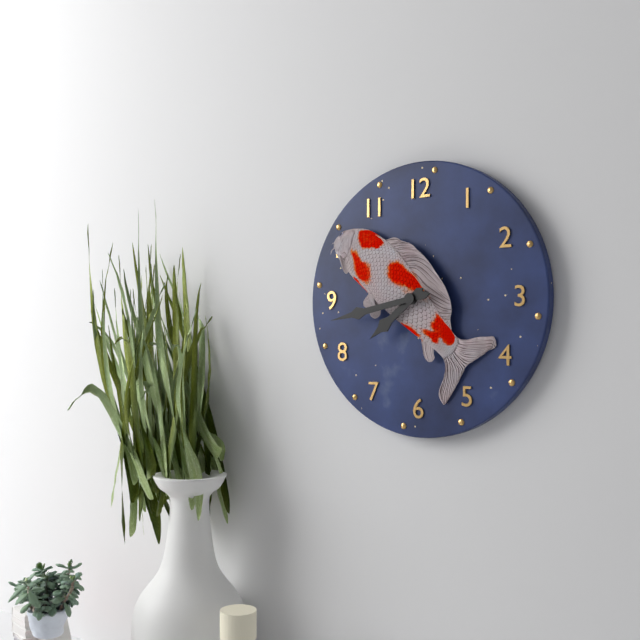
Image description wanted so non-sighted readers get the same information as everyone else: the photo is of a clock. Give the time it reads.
7:43
